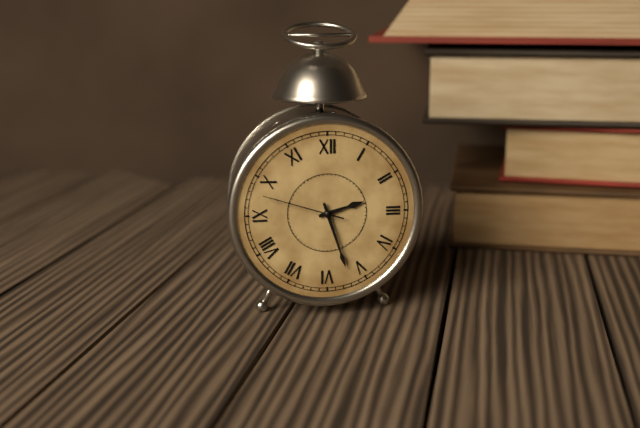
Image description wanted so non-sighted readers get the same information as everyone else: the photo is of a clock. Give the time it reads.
2:27:48
